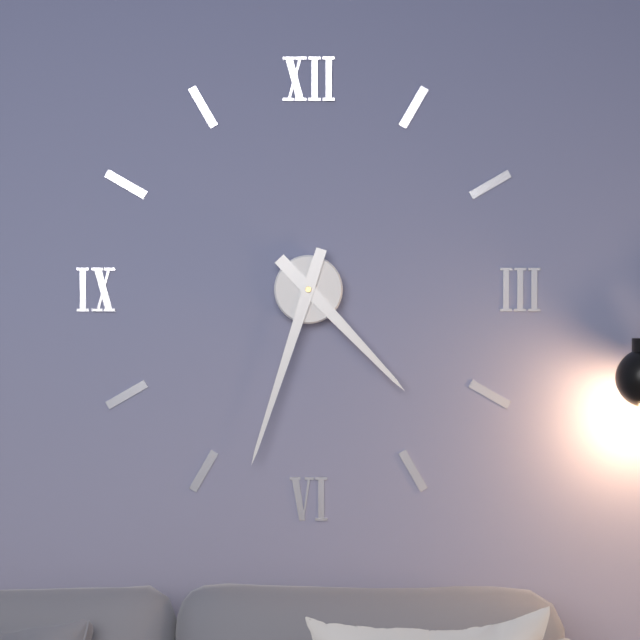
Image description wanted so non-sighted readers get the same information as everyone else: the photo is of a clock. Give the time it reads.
4:33
